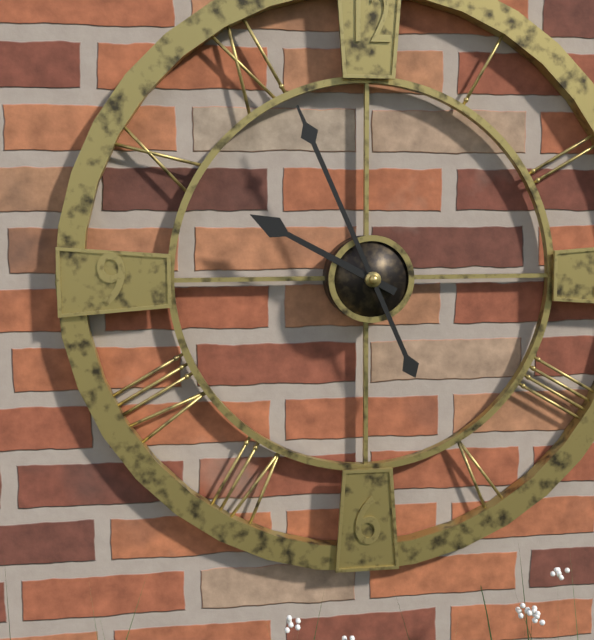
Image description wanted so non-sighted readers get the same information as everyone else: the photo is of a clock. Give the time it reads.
9:56
